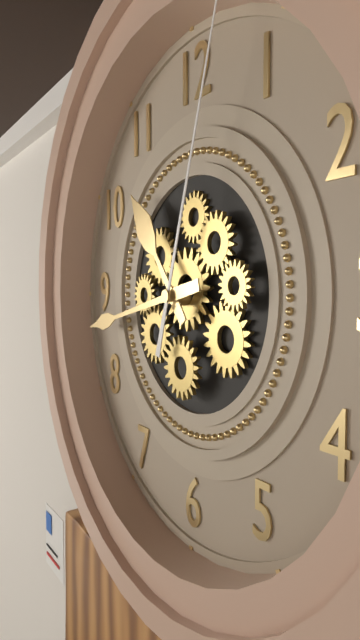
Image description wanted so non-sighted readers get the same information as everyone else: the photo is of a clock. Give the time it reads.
10:43
